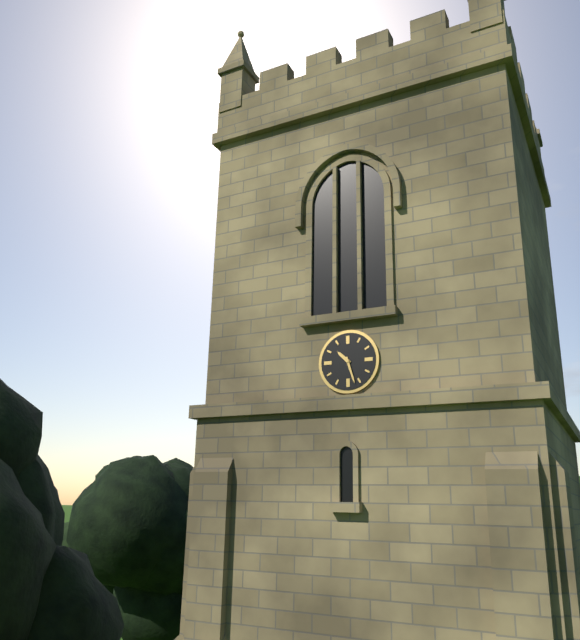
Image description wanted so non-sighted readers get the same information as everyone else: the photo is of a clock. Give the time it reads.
10:27
